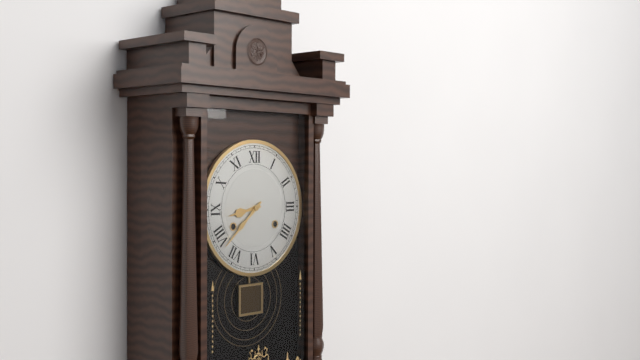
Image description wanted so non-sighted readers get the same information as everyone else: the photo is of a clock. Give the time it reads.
8:38
